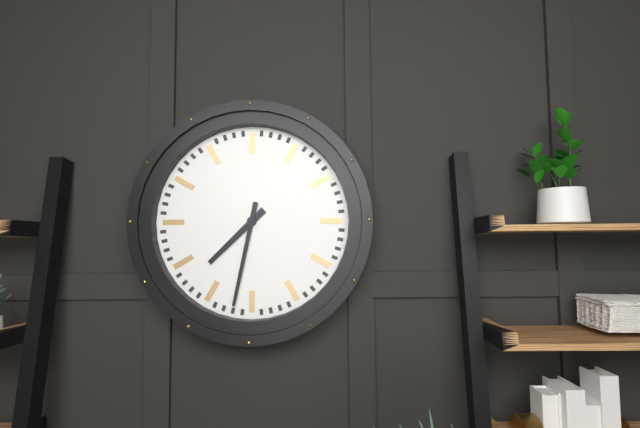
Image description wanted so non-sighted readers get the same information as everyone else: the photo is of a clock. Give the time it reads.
7:32
